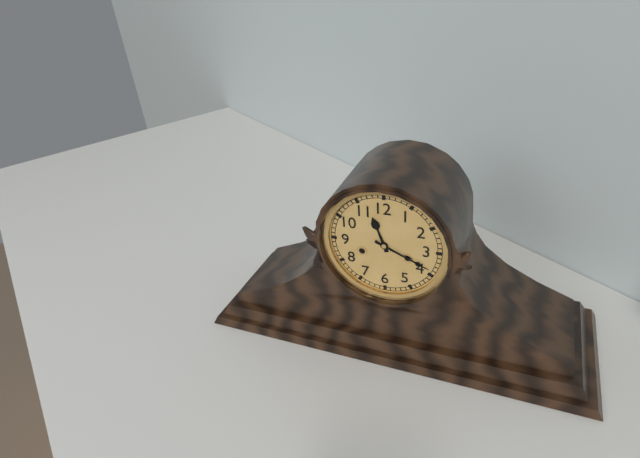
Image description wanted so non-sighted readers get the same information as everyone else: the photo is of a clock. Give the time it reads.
11:19
